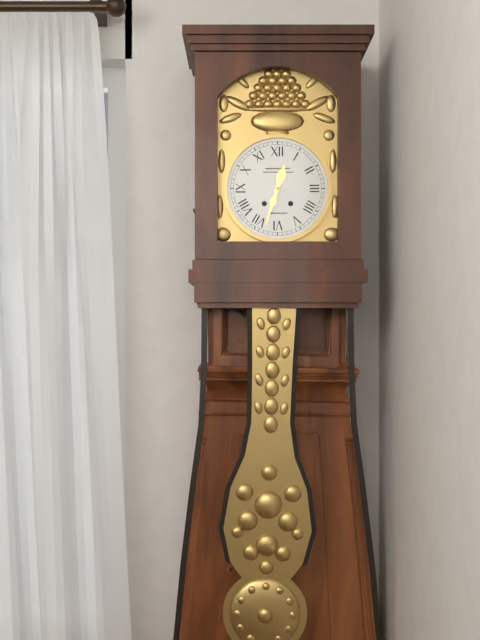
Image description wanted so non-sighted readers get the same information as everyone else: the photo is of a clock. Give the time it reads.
12:33
